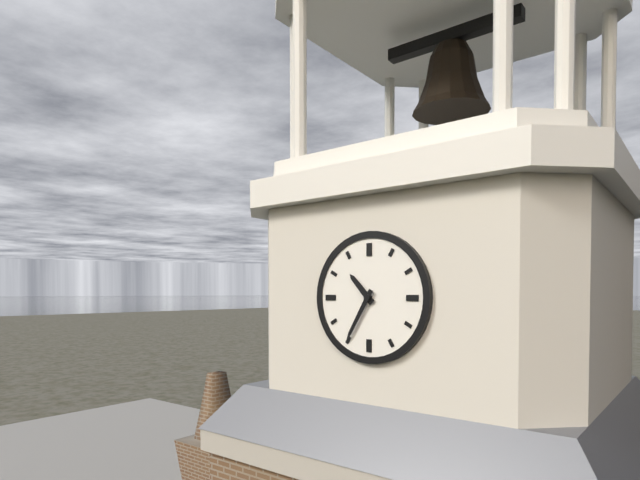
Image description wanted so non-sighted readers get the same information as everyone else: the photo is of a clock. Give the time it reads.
10:35
